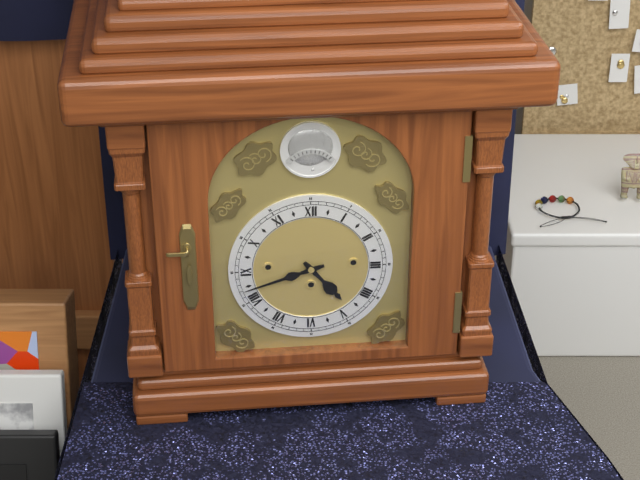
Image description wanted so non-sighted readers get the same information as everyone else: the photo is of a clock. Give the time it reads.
4:42
